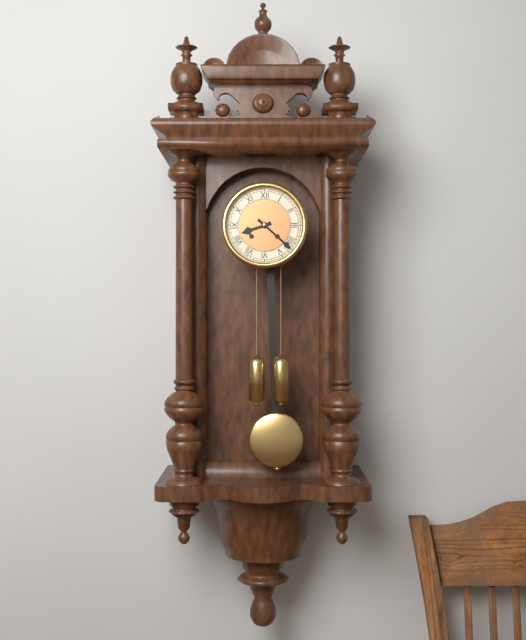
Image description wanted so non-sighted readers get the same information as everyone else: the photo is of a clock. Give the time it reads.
8:22
